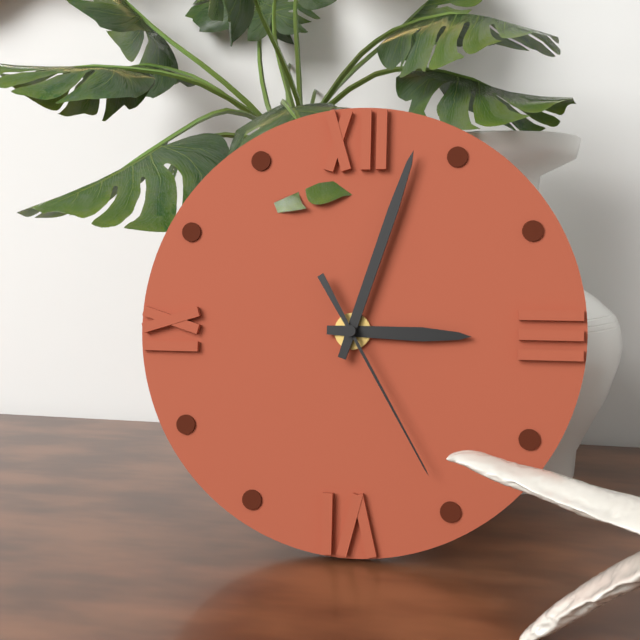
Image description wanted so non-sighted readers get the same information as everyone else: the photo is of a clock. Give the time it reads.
3:03:25
